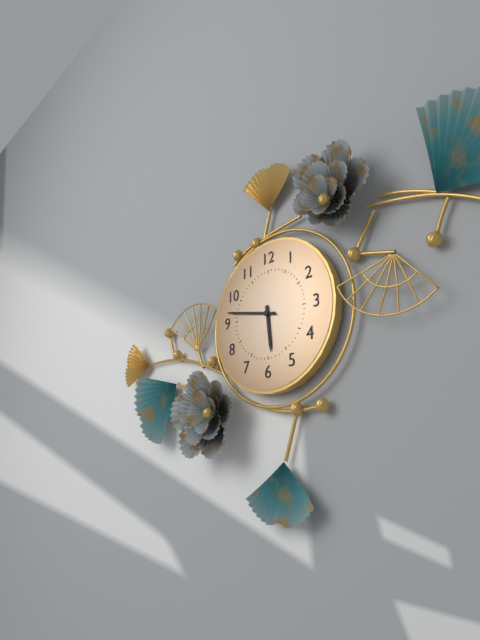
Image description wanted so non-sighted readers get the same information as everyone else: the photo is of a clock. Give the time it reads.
5:47
